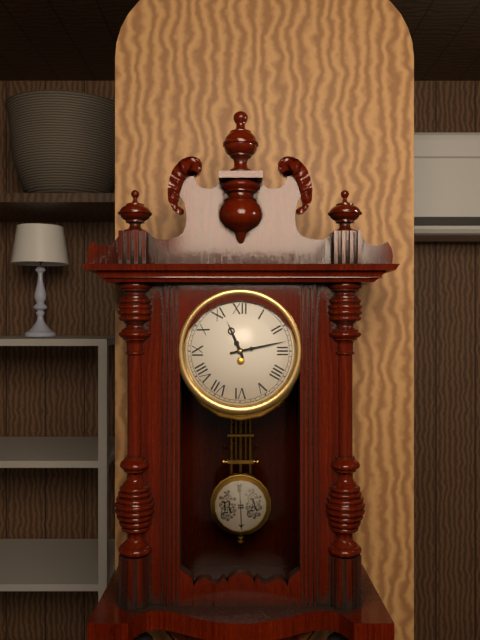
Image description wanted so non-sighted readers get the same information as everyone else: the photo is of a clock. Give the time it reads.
11:13
